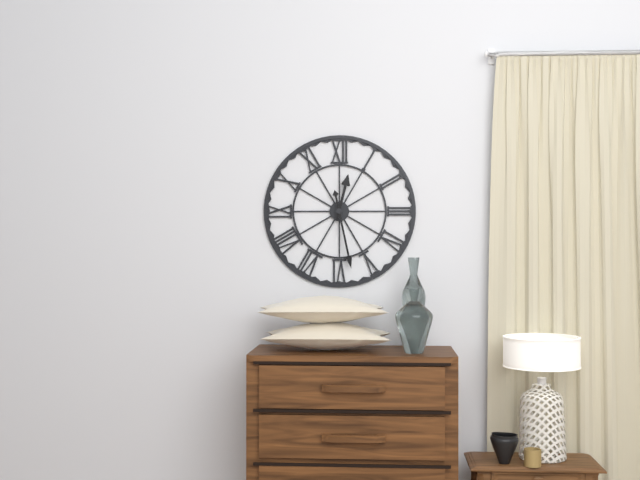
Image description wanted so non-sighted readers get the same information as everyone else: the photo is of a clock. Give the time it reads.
12:28
